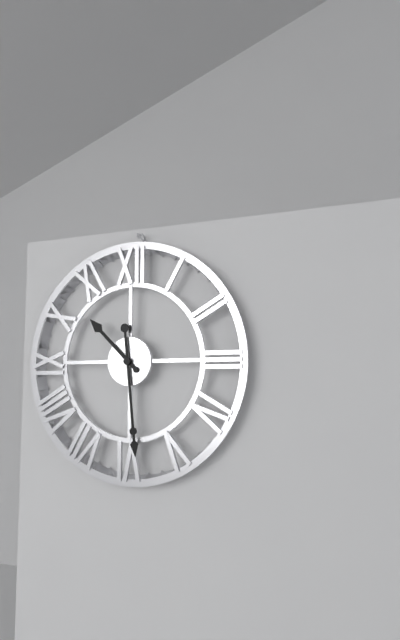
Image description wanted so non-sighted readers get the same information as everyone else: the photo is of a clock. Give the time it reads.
10:29
